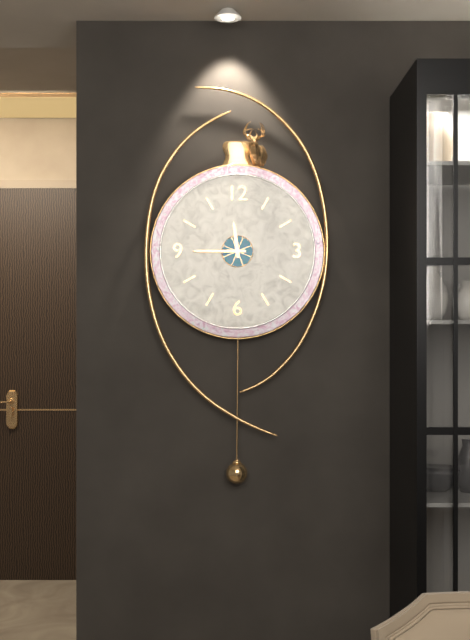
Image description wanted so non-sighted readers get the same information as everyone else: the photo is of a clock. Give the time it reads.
11:45
